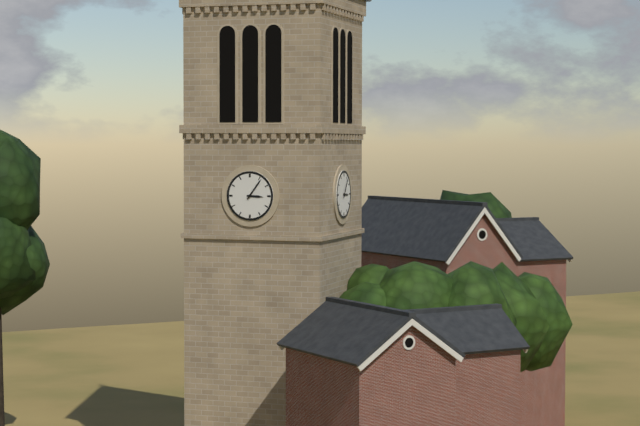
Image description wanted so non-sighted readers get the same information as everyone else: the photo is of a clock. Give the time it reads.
3:06
